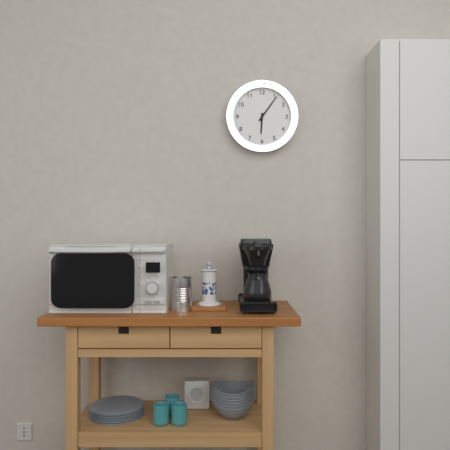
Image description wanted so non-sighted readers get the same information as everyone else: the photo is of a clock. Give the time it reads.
6:06
